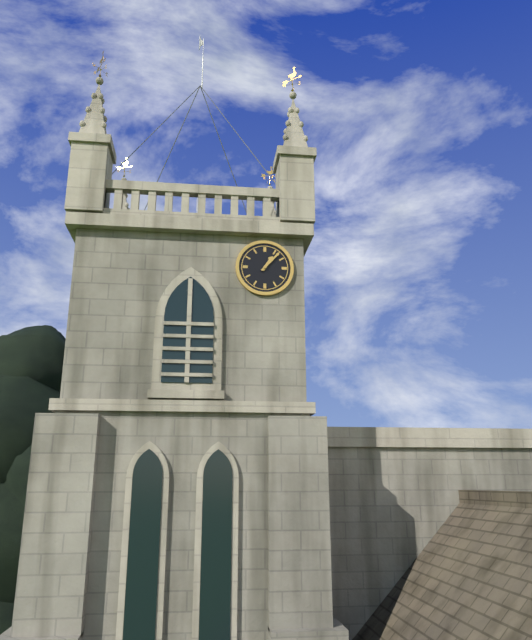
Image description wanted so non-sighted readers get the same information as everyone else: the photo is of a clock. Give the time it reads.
1:07
